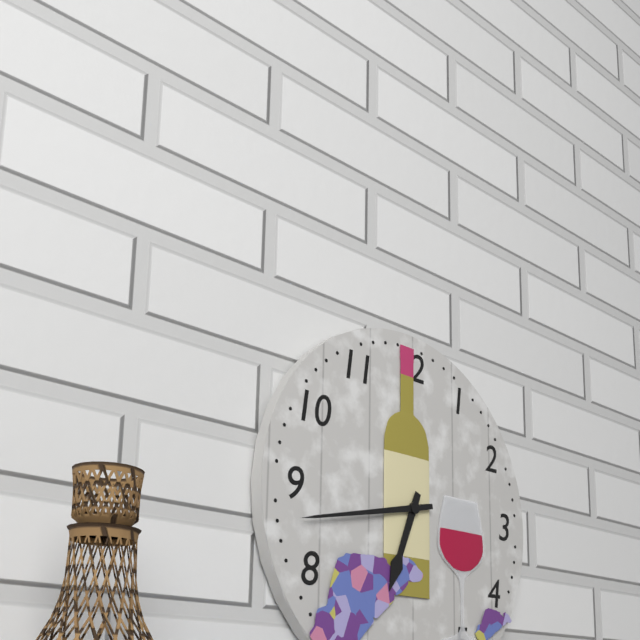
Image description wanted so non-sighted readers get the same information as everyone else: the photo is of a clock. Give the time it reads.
6:43
